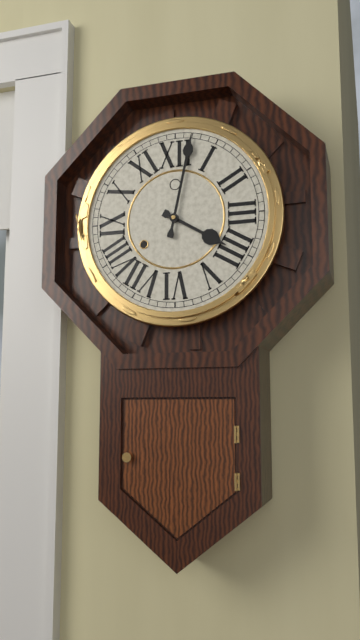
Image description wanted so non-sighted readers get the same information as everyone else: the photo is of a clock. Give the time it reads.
4:02
